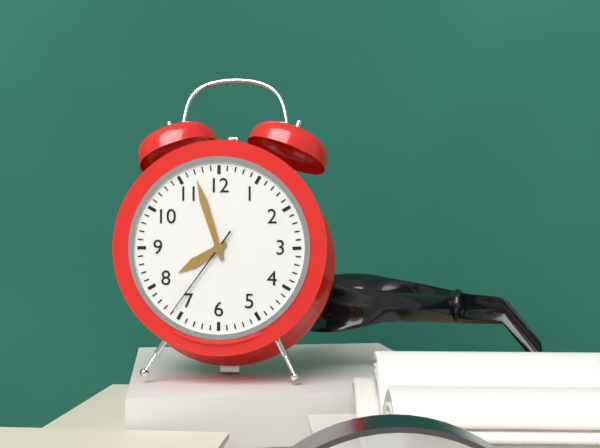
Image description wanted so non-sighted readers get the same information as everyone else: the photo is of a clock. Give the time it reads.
7:57:36
